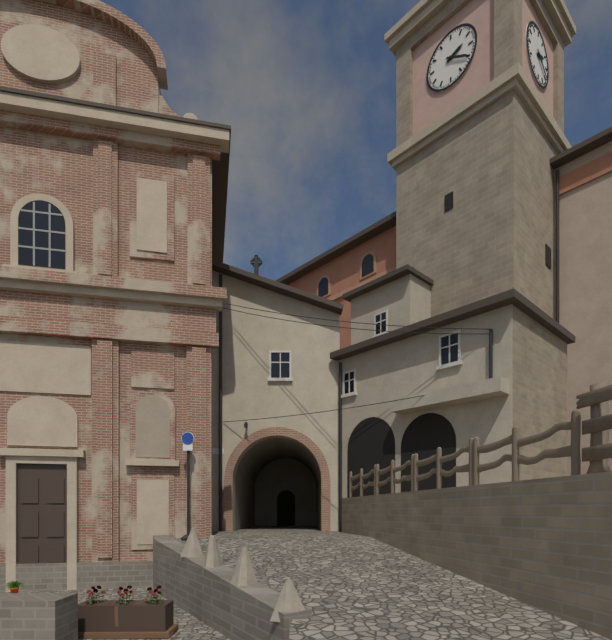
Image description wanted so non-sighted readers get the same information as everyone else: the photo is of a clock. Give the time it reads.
2:20
